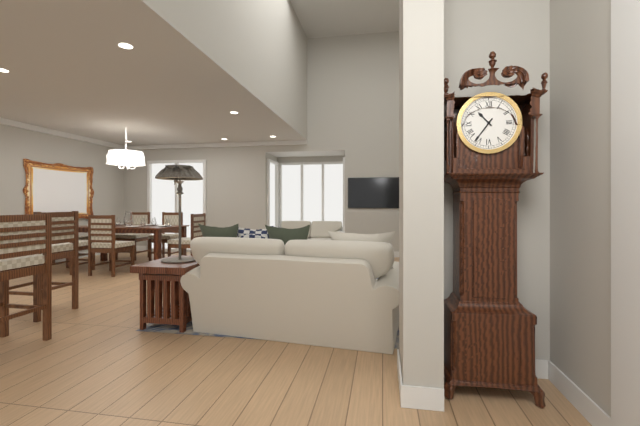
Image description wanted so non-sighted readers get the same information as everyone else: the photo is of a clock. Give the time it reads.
10:36
